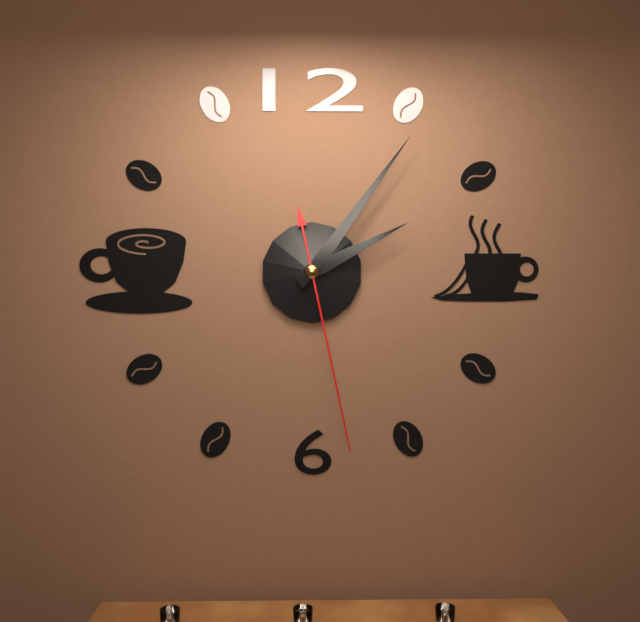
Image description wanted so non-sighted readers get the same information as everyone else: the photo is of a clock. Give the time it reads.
2:06:28
